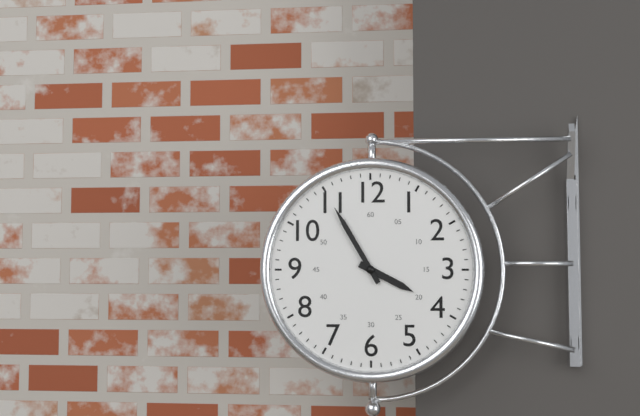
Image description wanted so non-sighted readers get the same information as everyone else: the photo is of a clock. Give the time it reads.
3:55
